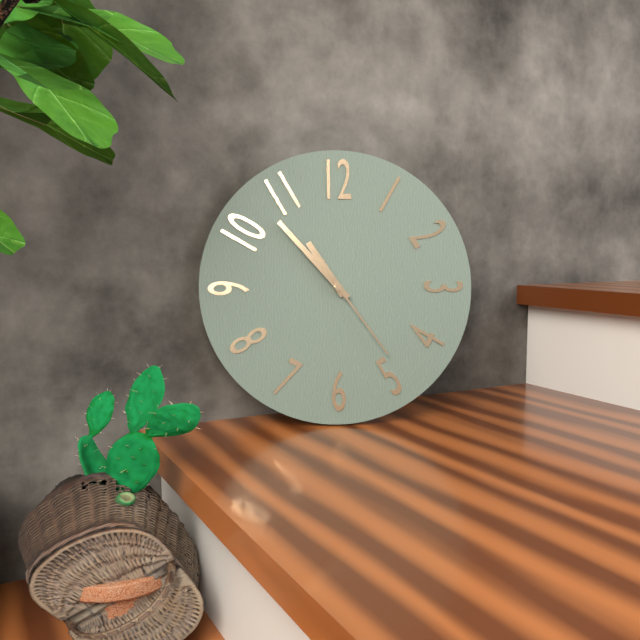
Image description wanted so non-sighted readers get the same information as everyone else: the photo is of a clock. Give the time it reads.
10:53:24
